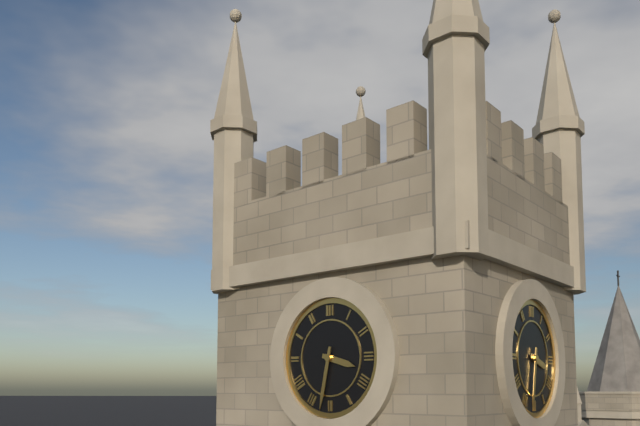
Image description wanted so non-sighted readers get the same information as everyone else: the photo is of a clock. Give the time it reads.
3:32
